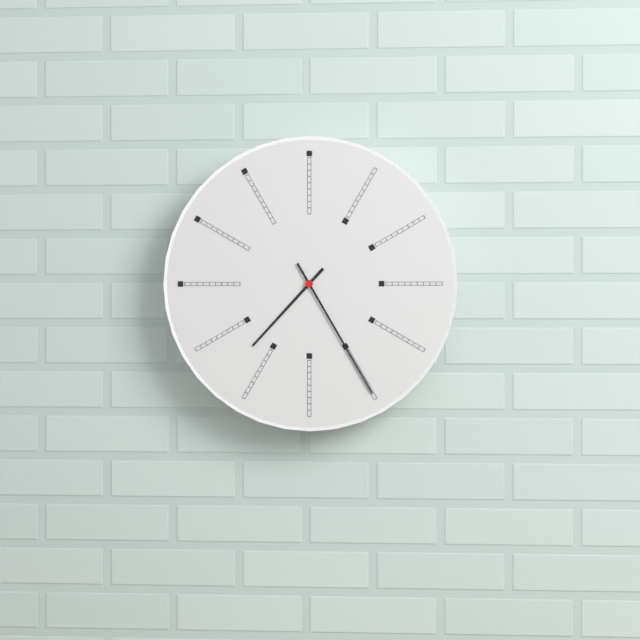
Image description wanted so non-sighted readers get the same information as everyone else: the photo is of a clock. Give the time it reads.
7:25
